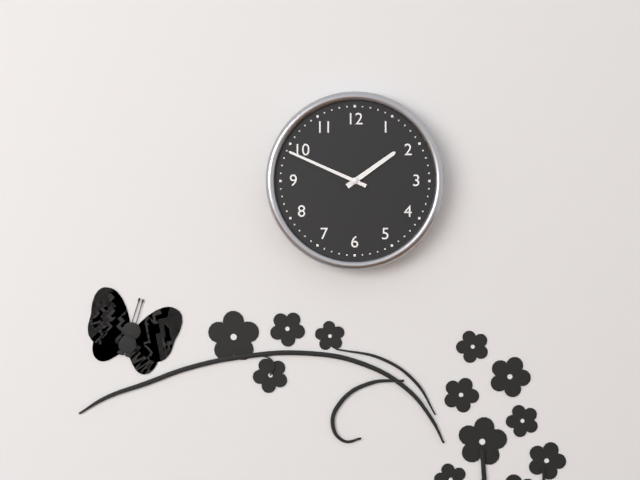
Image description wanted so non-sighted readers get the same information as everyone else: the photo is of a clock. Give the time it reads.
1:49
